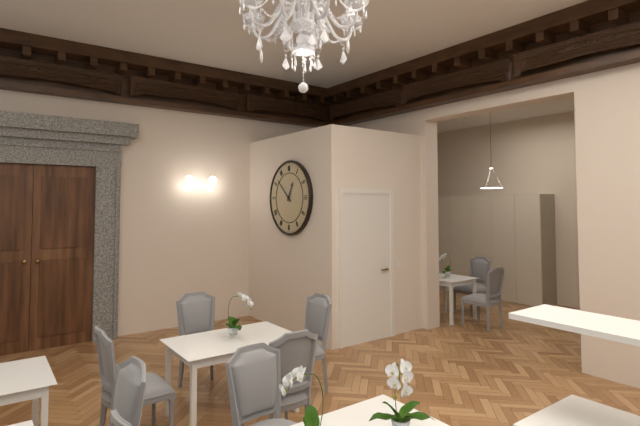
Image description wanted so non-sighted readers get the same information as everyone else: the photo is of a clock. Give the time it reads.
12:52
